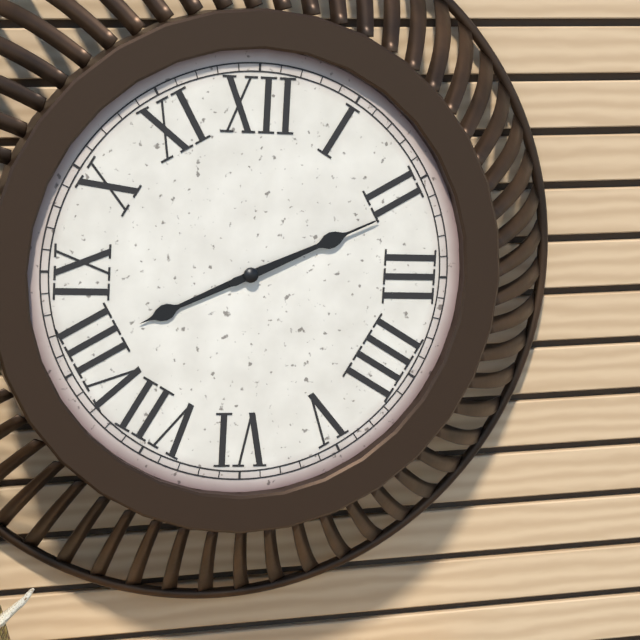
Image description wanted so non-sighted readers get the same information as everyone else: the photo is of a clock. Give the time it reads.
8:11
